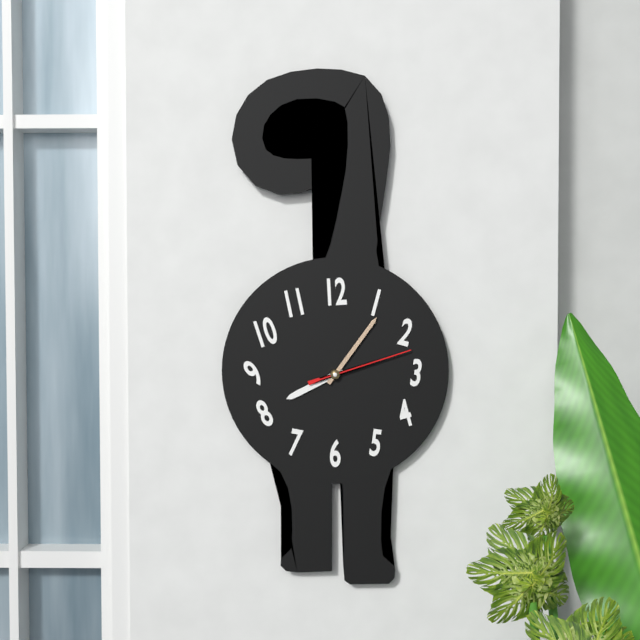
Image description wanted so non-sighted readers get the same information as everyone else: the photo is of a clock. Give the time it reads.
8:06:12
